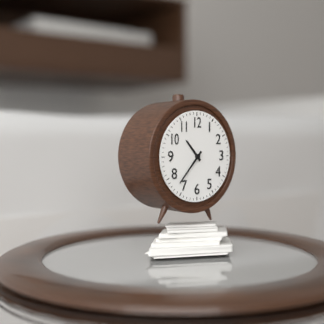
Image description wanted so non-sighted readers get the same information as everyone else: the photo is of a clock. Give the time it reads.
10:37
